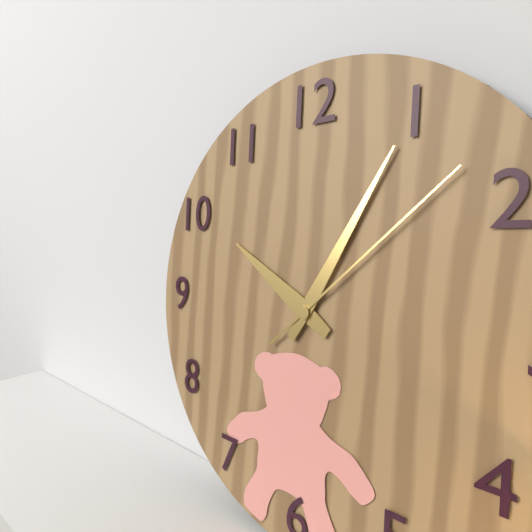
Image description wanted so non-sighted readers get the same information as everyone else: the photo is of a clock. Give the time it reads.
10:05:08
